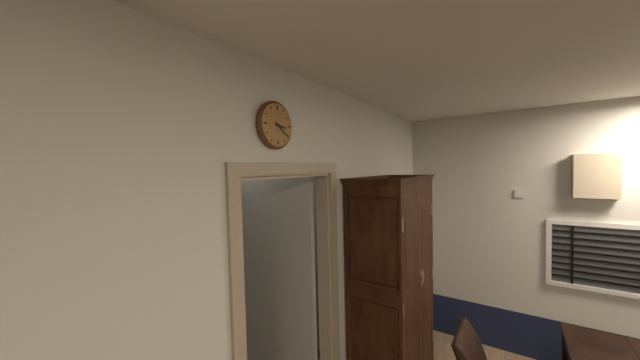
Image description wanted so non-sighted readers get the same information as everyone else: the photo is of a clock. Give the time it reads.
3:21
